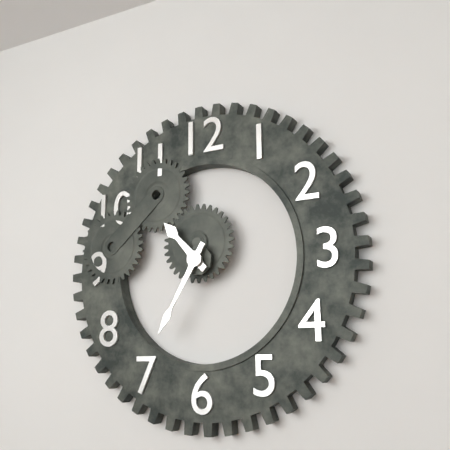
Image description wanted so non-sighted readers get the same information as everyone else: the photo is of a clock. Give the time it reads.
10:35
